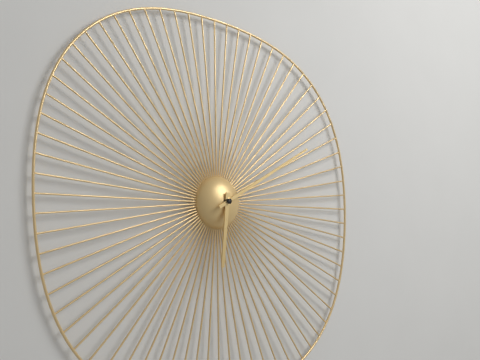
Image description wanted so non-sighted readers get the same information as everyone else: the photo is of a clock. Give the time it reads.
6:10
